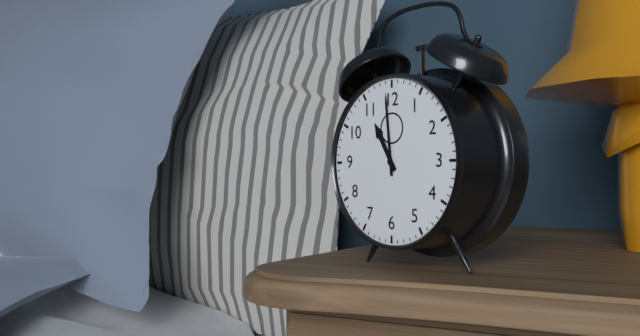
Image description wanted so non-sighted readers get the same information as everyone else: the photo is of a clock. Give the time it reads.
10:59
